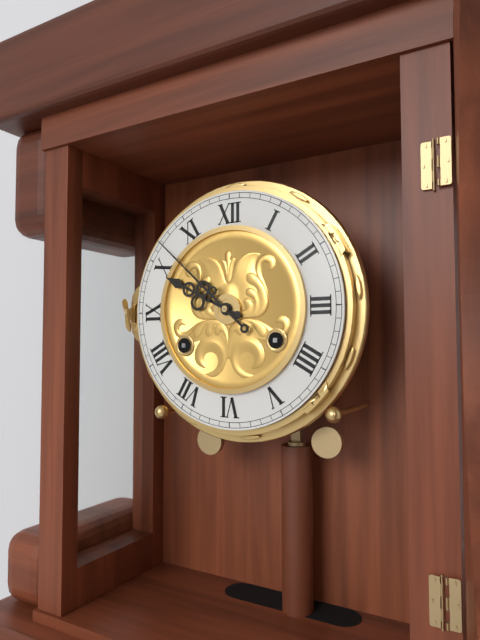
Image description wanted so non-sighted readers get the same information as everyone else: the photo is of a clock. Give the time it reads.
9:52
